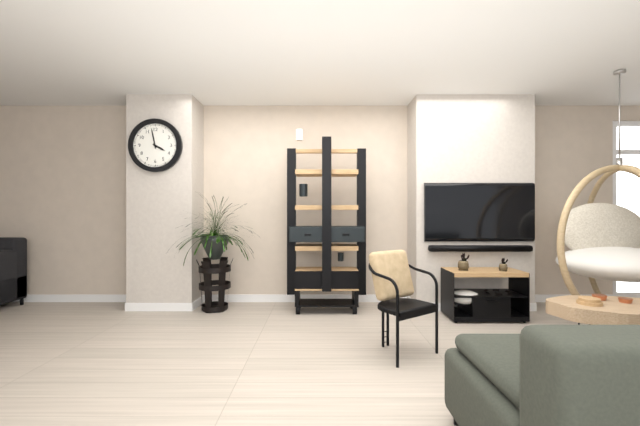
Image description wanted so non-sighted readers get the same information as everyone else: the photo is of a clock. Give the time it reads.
3:58
